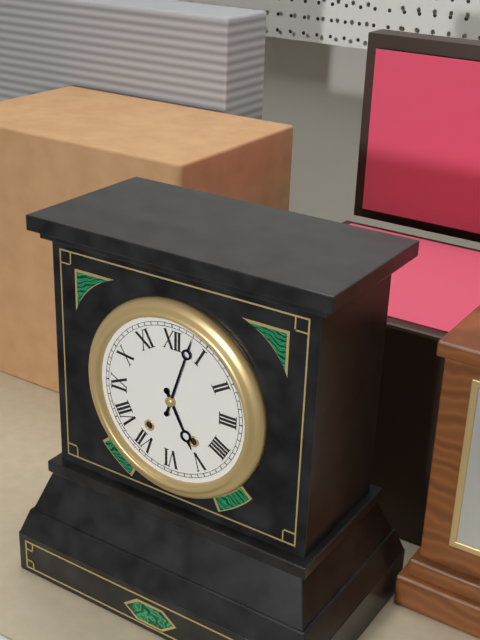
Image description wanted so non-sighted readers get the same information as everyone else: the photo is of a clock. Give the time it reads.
5:03
